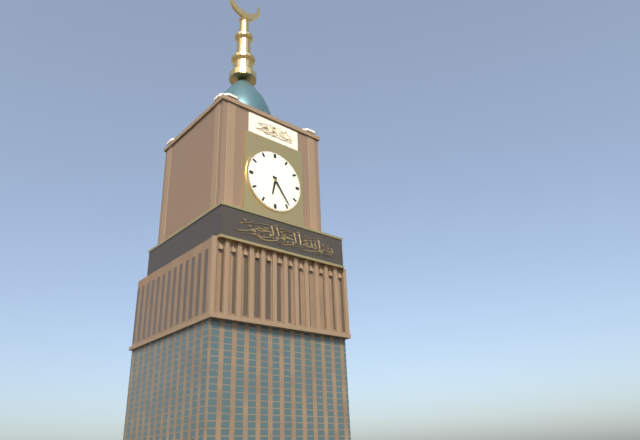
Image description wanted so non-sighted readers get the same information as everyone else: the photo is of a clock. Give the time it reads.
6:24
